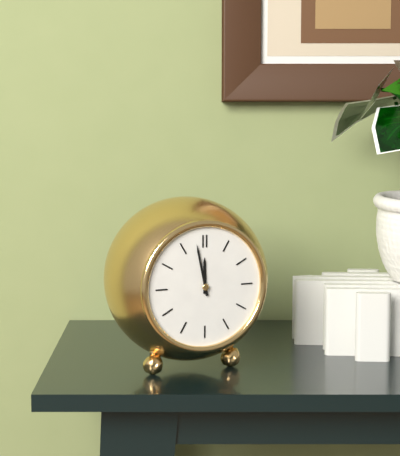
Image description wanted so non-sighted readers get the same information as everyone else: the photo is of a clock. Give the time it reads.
11:58
